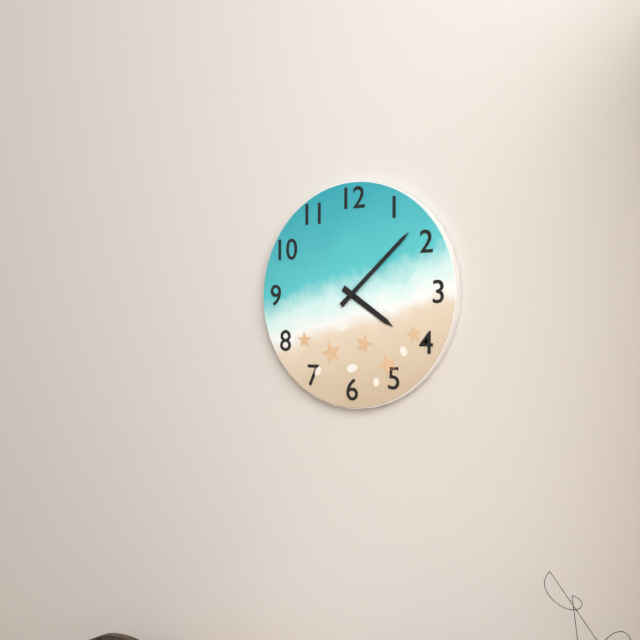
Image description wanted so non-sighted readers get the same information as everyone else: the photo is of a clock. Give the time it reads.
4:08
